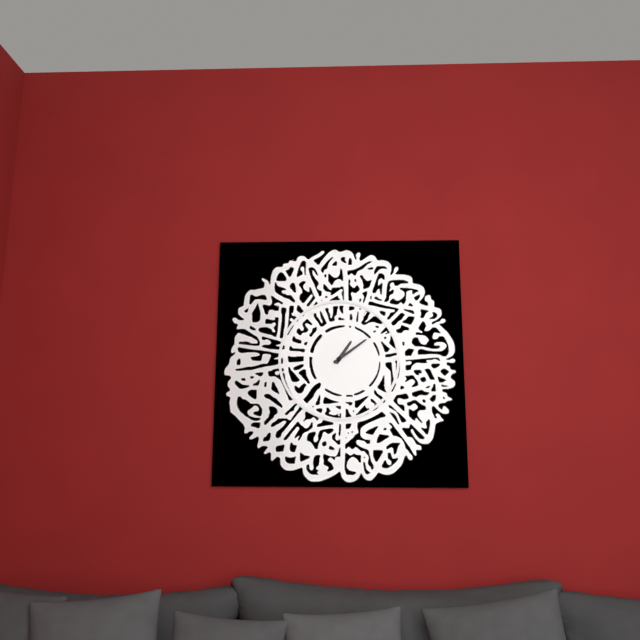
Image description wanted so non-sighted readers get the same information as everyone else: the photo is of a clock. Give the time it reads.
1:09
